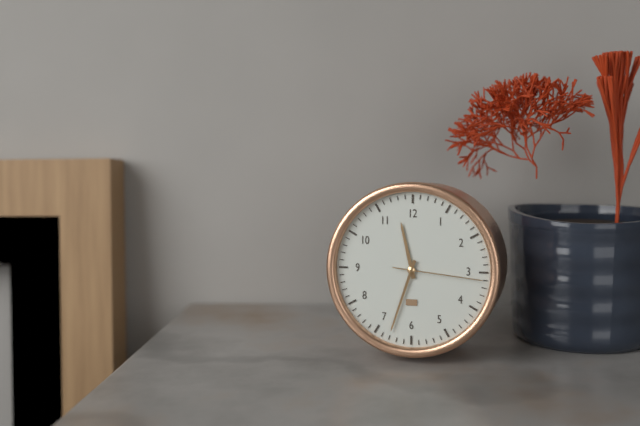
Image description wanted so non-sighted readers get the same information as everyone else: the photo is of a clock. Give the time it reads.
11:33:16
